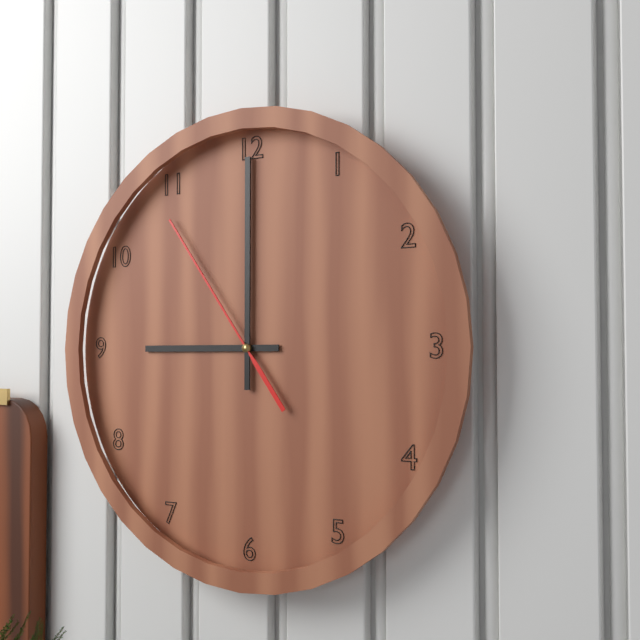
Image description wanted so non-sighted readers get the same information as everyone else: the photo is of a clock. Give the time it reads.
9:00:54
